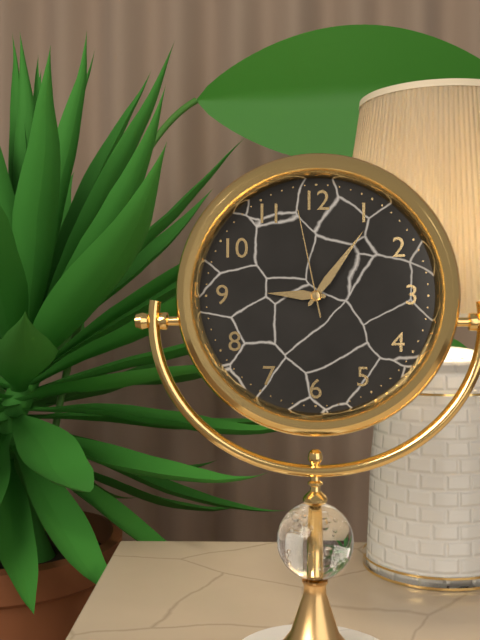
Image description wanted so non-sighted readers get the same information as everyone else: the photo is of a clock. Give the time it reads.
9:06:58
